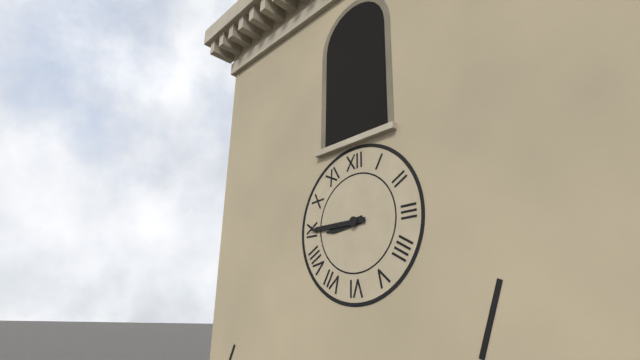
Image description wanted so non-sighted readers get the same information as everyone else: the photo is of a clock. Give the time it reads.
8:45
